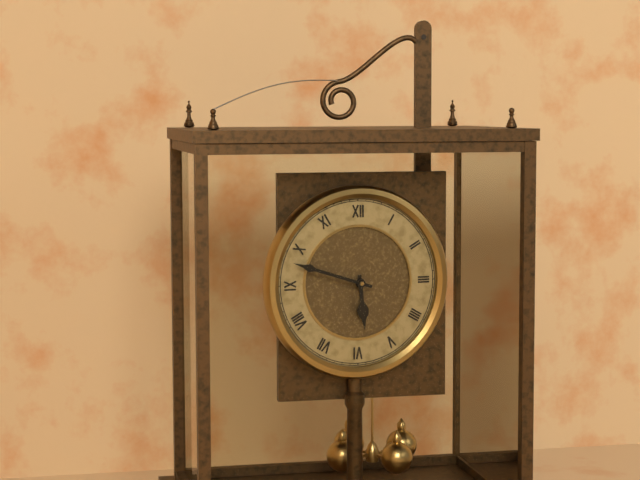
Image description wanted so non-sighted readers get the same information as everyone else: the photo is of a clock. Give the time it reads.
5:48
